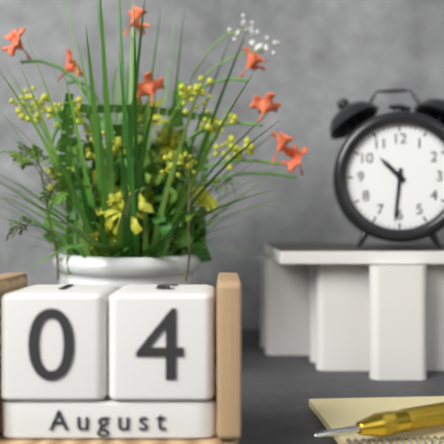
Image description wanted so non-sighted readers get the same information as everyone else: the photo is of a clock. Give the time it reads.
10:31
